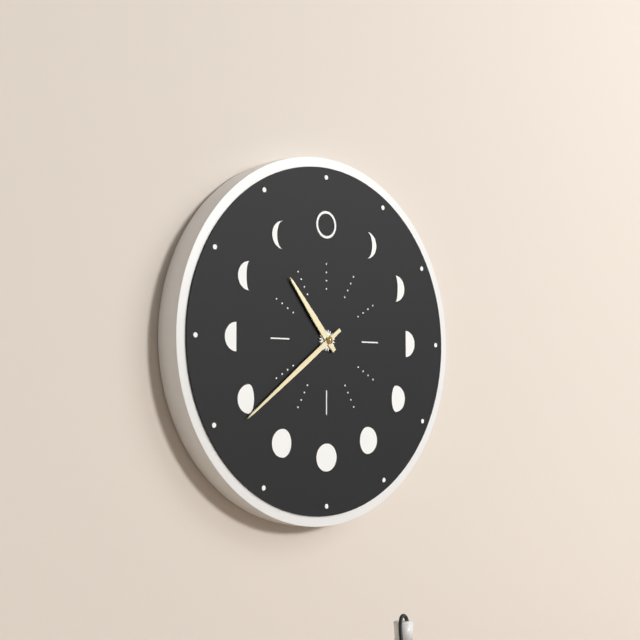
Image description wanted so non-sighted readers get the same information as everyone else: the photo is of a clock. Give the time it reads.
10:39
